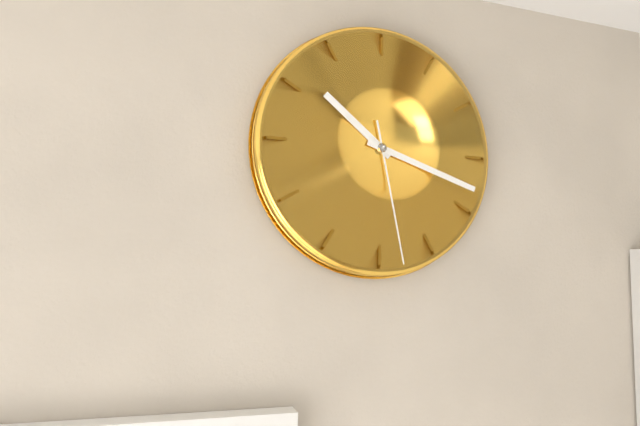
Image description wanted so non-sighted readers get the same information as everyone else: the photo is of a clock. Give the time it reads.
10:18:28
